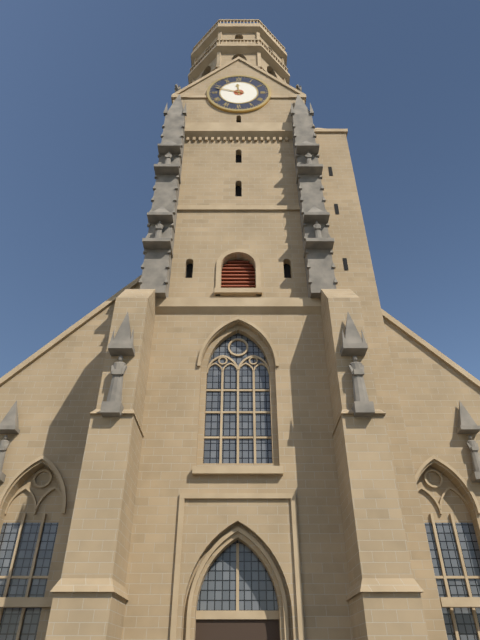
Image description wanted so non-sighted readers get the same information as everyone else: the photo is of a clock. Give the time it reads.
11:48
